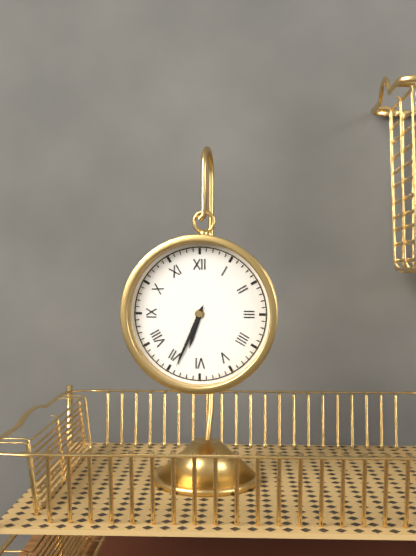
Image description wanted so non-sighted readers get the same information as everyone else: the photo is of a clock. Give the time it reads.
6:34
